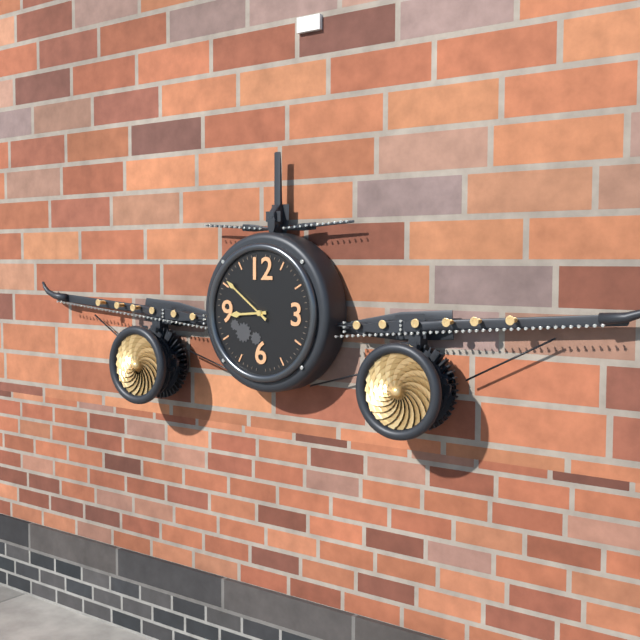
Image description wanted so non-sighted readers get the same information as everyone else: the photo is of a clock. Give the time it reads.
8:51
